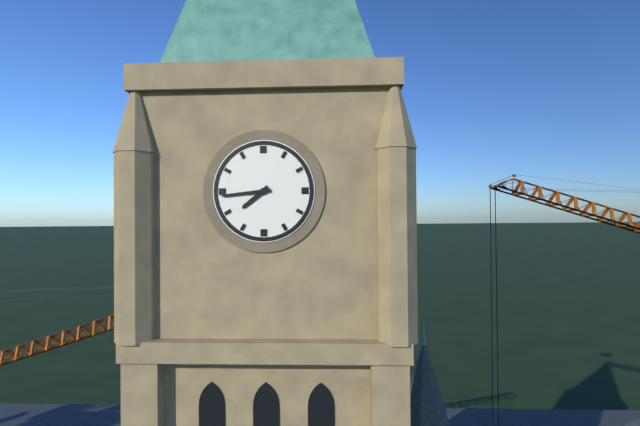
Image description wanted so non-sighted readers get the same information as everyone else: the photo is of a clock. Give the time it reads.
7:44
